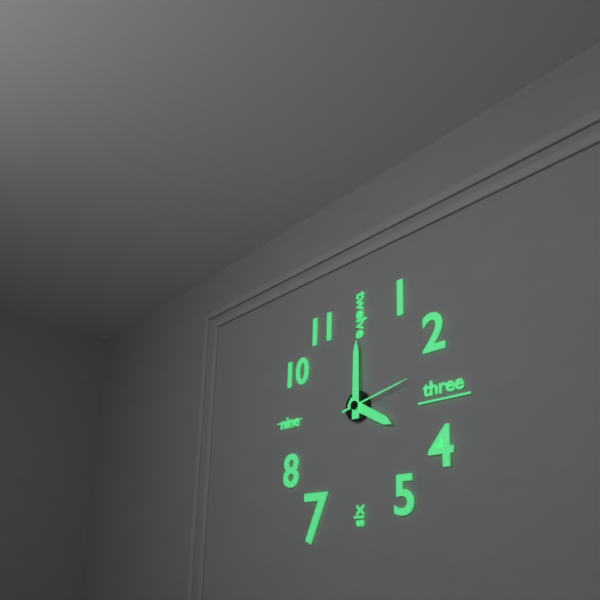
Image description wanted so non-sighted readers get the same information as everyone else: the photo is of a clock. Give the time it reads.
4:00:13
